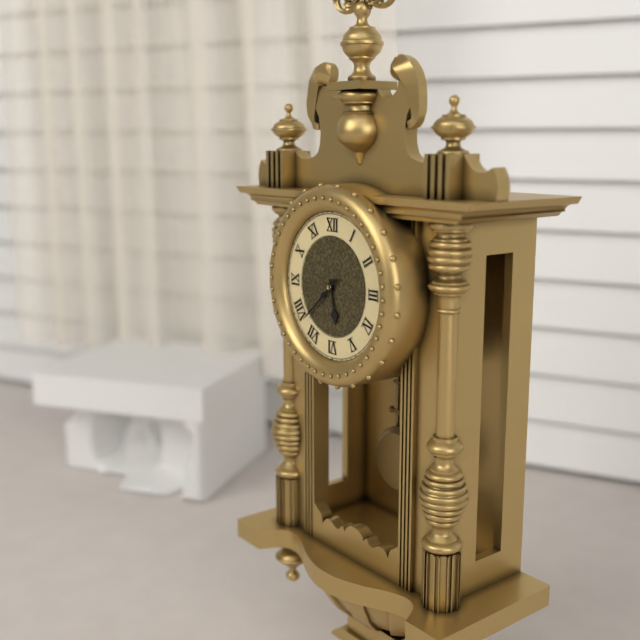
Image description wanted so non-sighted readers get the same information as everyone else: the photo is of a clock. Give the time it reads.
5:38
